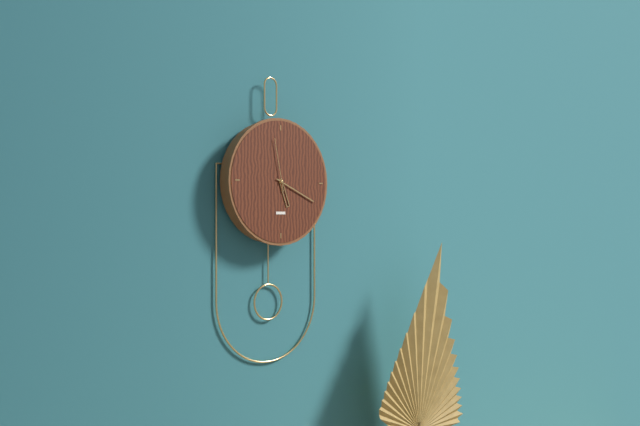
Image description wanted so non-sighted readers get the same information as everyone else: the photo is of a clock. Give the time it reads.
5:19:58
